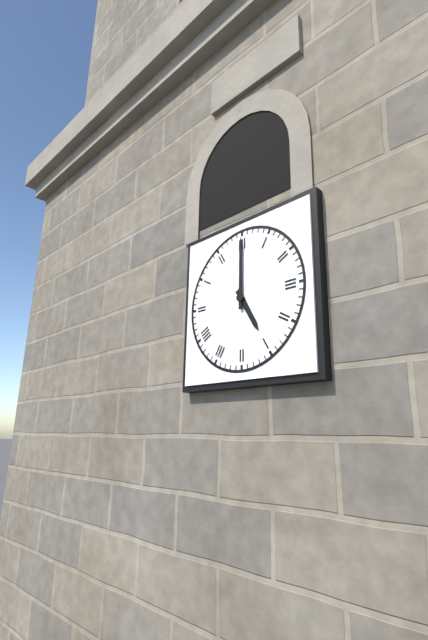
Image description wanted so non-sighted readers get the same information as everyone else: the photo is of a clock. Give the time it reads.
5:00
